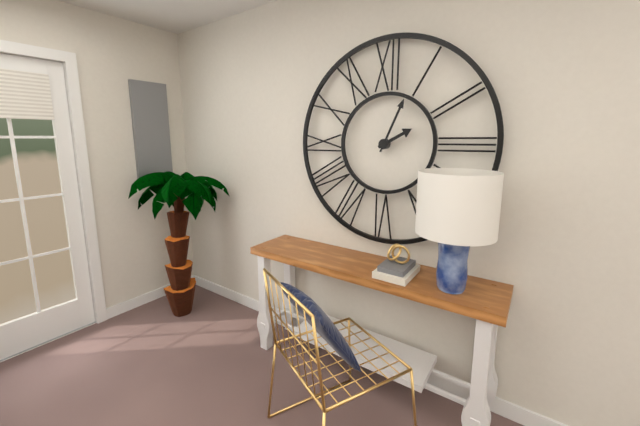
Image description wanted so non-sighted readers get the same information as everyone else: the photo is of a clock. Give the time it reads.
2:04
